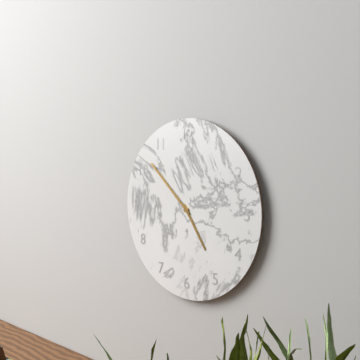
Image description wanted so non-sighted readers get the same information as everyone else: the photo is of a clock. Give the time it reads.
4:52
